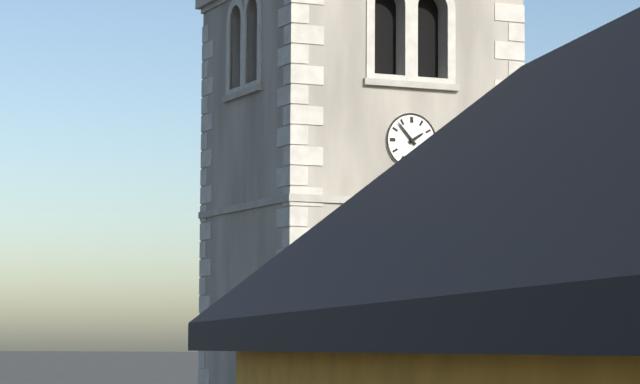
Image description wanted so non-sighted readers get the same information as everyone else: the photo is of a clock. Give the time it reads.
1:53
